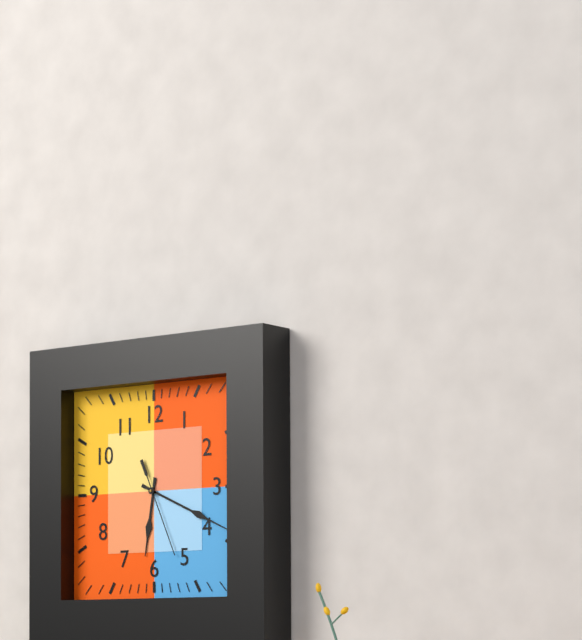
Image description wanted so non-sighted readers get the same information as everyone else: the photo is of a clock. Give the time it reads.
6:19:26
